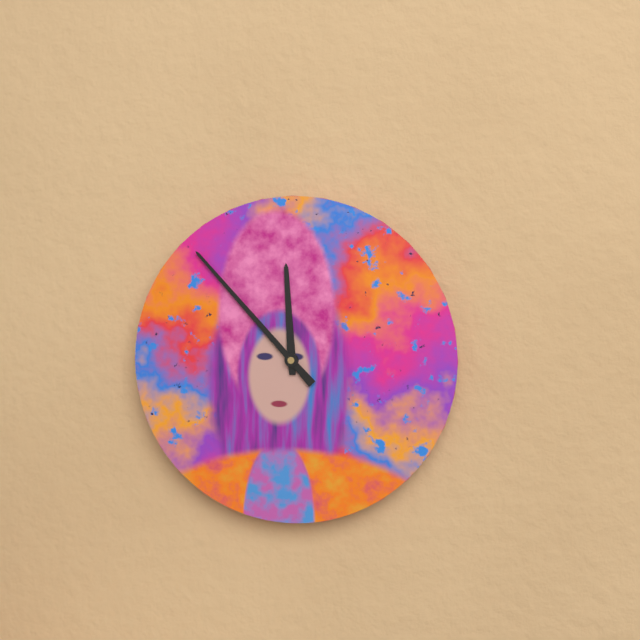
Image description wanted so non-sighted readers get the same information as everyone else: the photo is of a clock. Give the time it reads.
11:53
